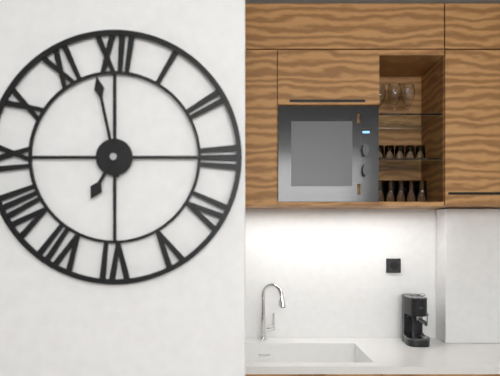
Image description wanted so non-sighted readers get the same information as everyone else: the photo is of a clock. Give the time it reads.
6:58
